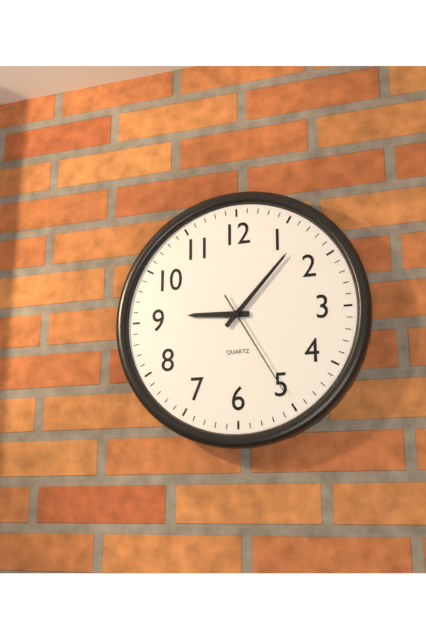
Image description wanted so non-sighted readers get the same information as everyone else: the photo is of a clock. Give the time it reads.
9:07:25
